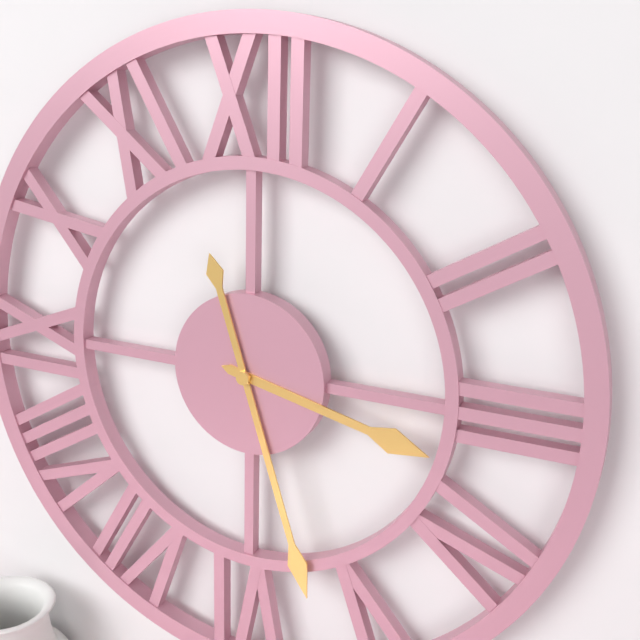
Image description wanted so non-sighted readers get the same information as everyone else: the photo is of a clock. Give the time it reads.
3:27
